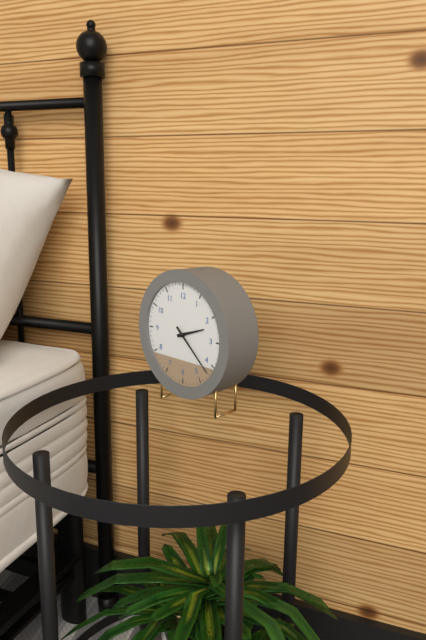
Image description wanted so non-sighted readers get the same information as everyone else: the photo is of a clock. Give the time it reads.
2:22
